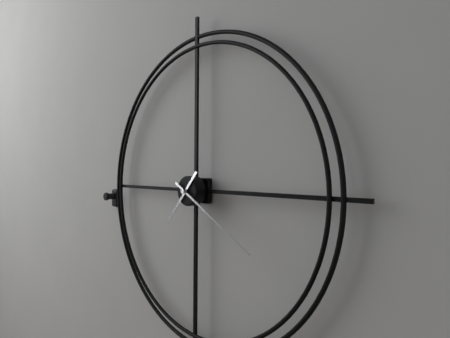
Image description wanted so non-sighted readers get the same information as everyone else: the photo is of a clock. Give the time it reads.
7:20
